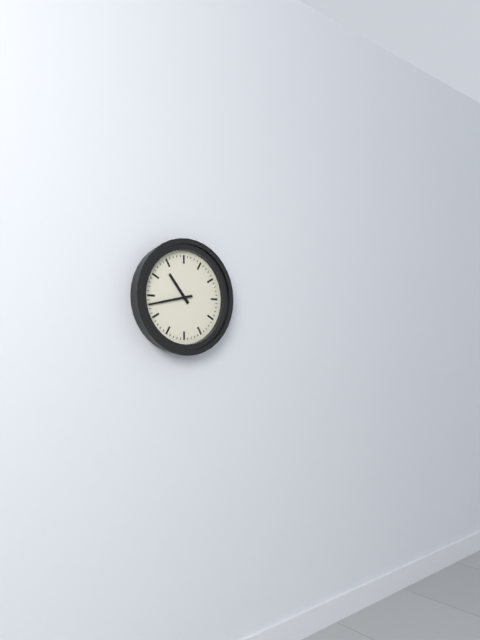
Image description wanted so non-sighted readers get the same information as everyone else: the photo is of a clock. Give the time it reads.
10:43
